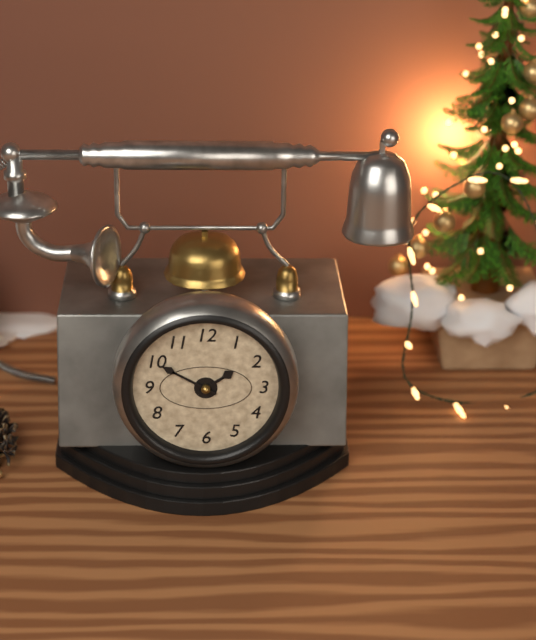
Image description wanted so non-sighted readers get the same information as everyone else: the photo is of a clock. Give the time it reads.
1:50
